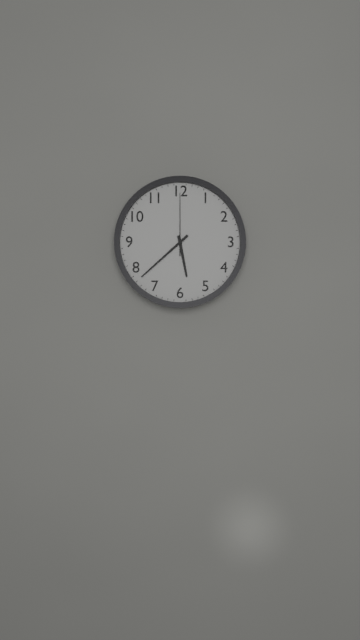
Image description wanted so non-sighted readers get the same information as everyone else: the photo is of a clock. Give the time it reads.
5:38:00
